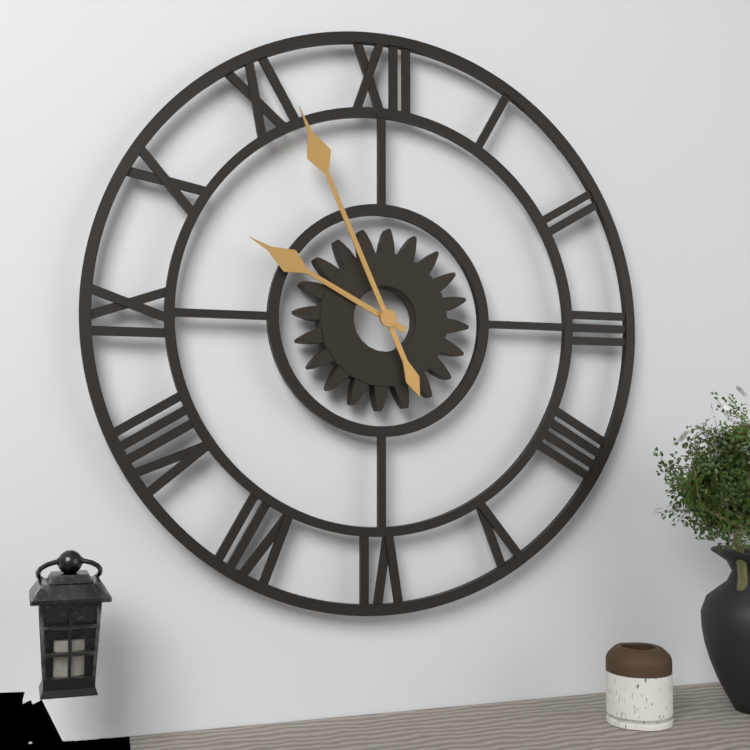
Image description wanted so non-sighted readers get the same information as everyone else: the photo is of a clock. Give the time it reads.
9:56
